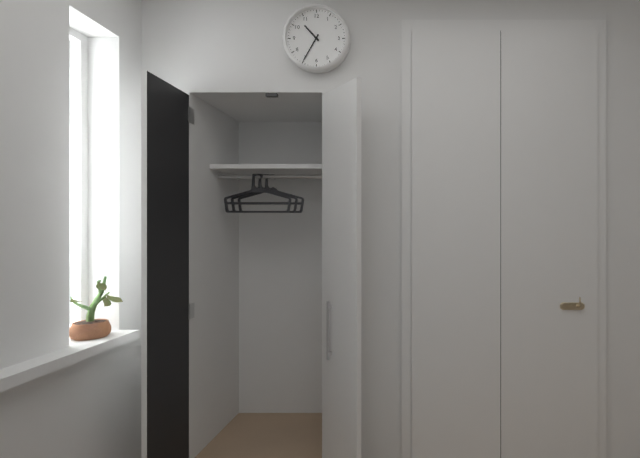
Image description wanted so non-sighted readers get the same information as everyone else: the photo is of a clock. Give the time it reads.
10:35
